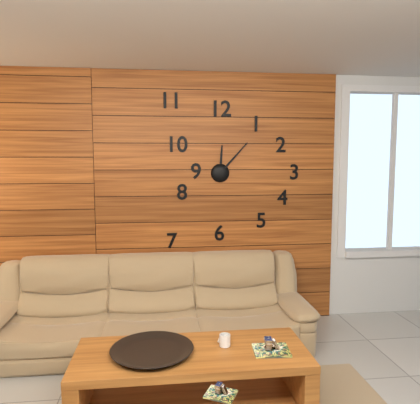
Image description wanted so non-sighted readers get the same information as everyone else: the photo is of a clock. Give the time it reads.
12:07
